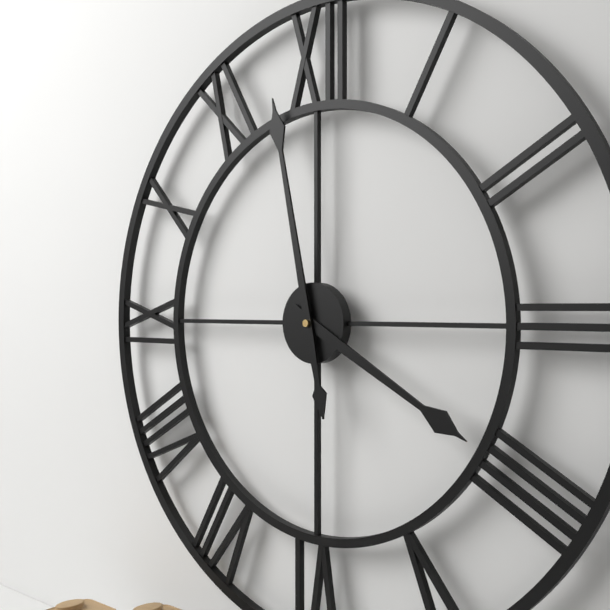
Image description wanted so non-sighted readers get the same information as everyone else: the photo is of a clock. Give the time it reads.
3:58
